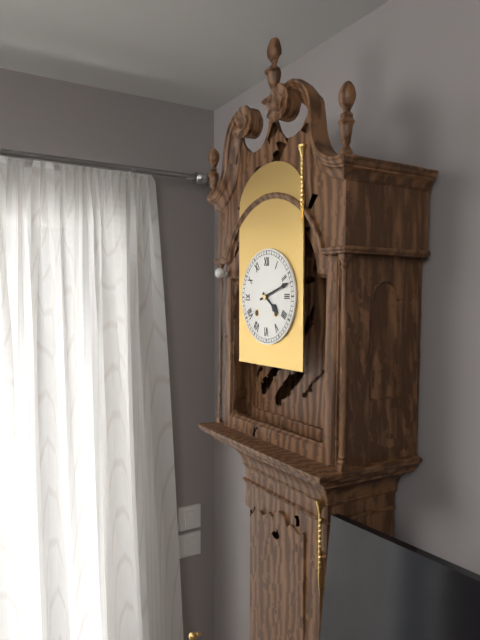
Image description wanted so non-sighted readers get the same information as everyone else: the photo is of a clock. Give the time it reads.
4:12
